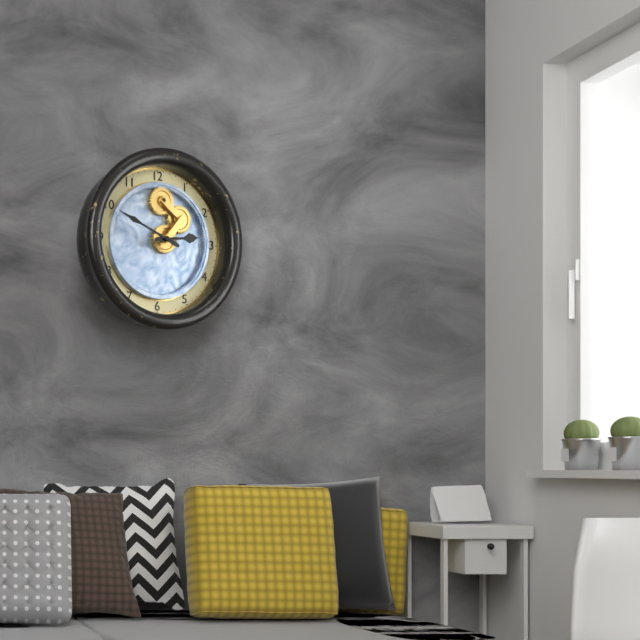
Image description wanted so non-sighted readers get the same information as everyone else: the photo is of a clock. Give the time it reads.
2:49
